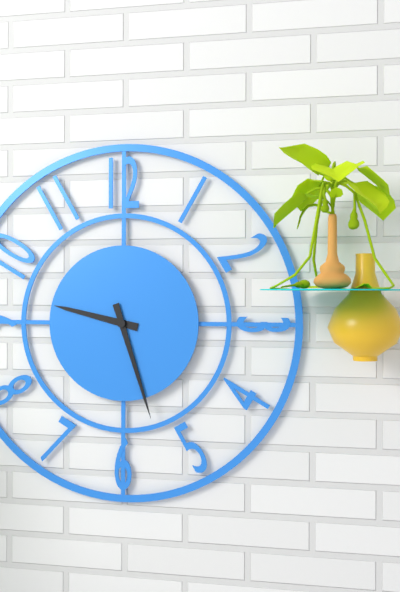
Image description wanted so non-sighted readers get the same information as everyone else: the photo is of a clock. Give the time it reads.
9:27
